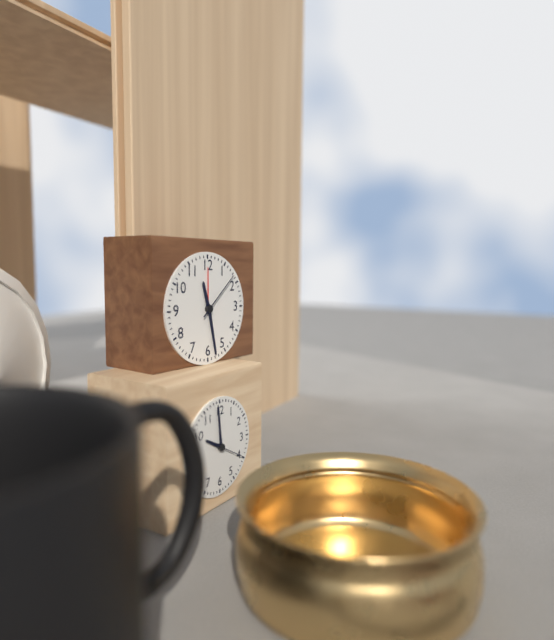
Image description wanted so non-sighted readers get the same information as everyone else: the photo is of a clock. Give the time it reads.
11:28:08
